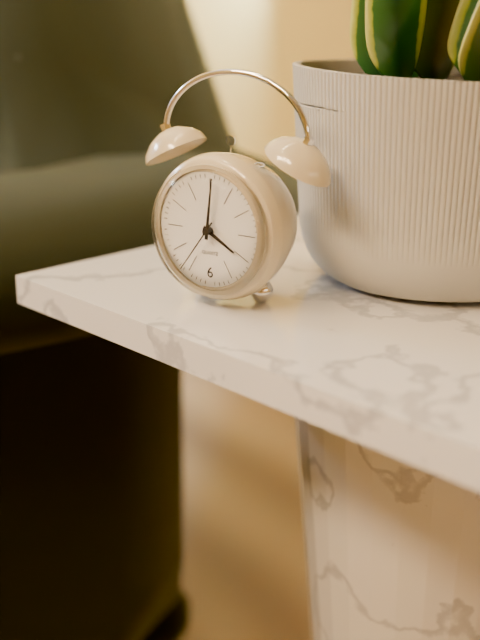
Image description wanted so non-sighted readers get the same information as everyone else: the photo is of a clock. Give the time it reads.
4:01:36
